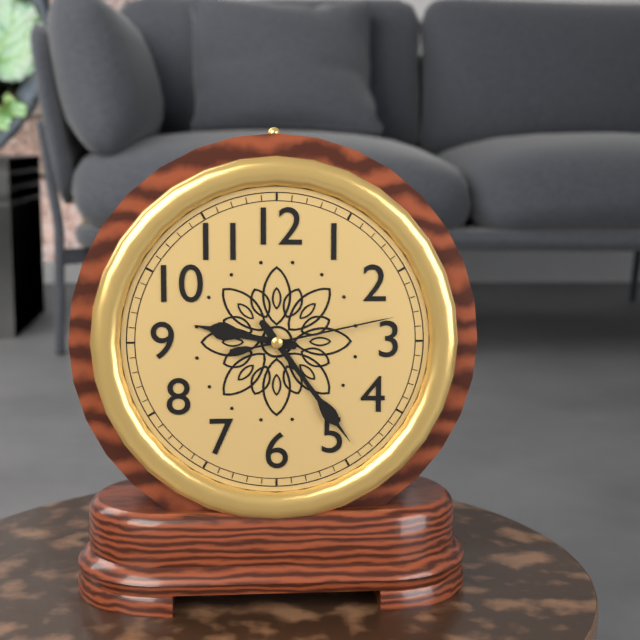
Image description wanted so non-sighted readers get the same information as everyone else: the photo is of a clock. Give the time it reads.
9:24:13
